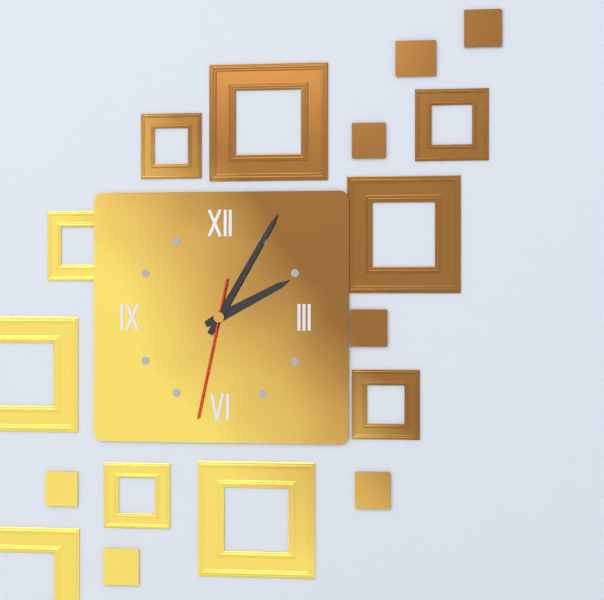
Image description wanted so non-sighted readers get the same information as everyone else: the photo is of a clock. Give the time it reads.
2:05:32
